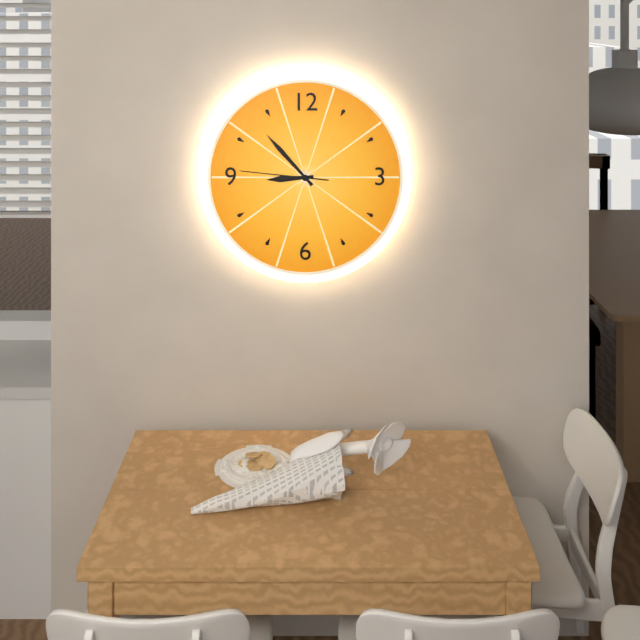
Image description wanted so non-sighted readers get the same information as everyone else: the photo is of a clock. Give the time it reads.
8:53:46
